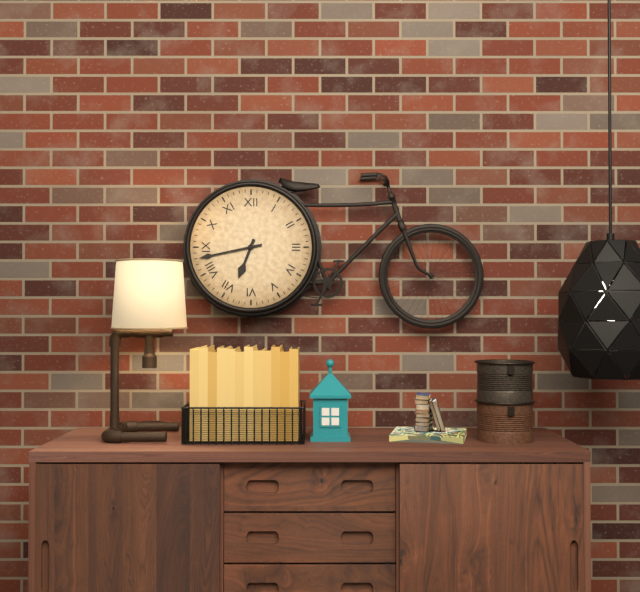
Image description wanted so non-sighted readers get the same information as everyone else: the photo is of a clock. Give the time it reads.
6:43
